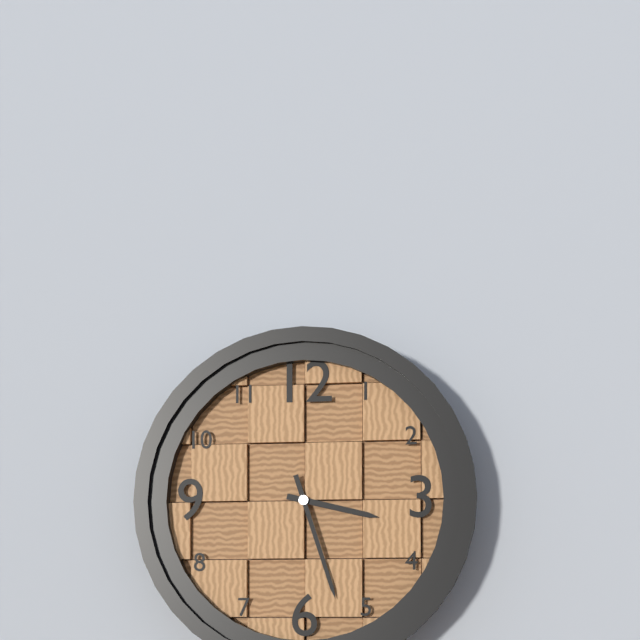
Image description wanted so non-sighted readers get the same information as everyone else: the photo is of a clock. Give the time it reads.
3:27
